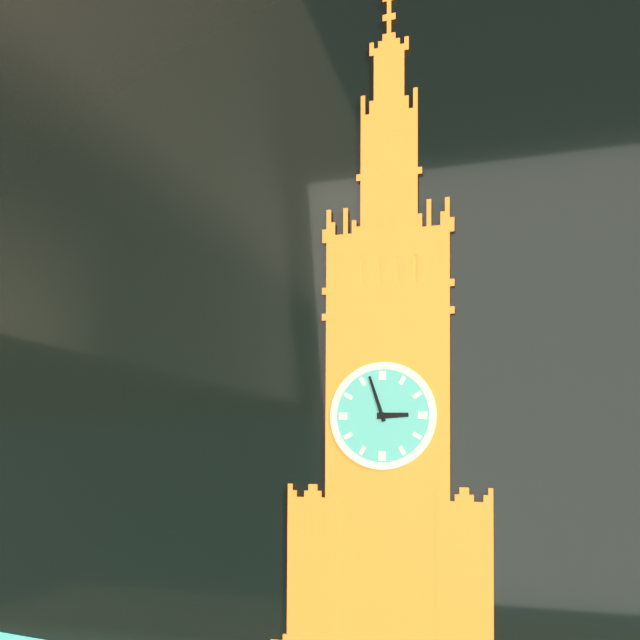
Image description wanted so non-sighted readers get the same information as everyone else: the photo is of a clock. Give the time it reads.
2:57
